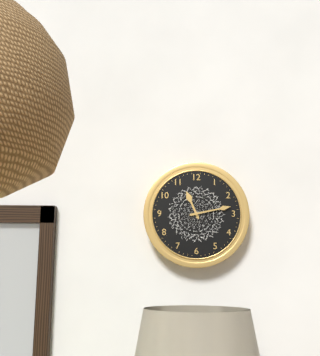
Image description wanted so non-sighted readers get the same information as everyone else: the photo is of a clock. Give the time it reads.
11:13
